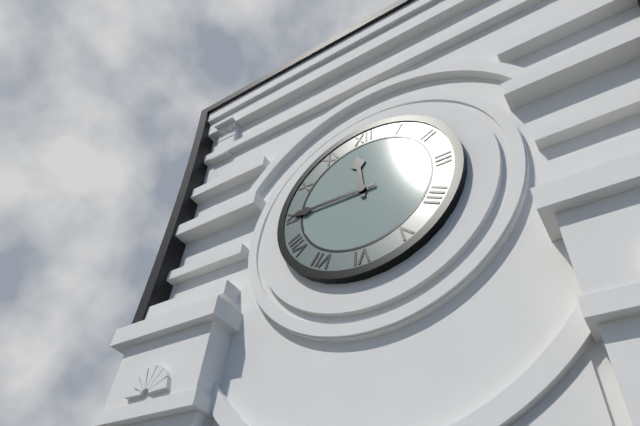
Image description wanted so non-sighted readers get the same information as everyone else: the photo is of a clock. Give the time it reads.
11:45
